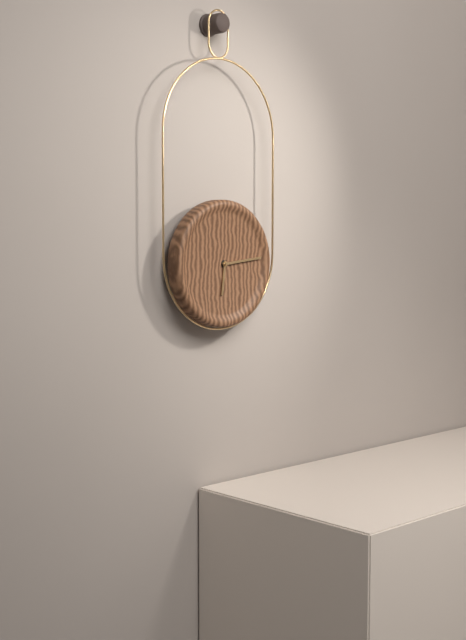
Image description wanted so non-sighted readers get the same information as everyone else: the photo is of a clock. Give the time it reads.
6:14
